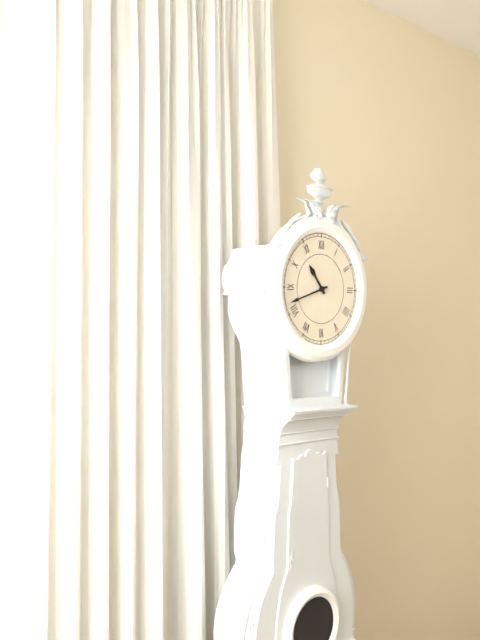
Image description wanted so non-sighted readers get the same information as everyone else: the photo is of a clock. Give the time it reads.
10:42
